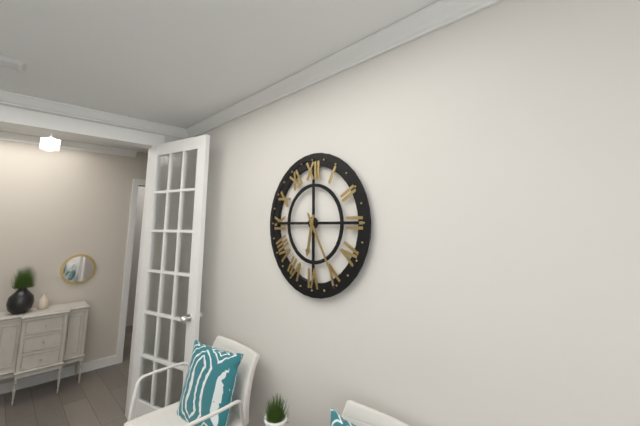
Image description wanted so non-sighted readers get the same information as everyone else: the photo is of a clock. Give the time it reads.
6:25
